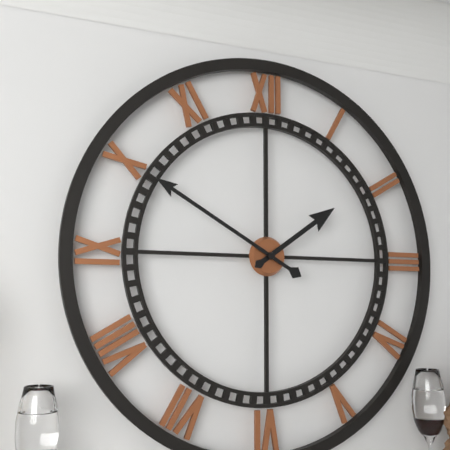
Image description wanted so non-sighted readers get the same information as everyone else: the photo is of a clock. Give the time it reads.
1:50
